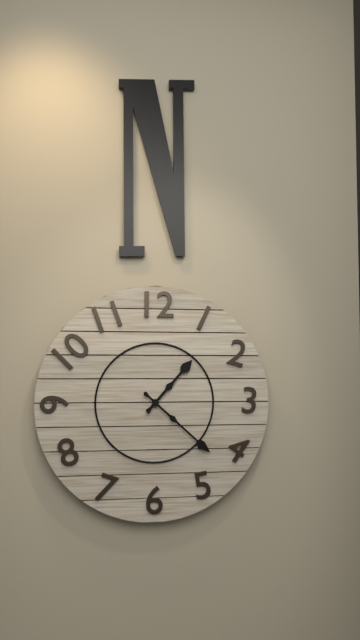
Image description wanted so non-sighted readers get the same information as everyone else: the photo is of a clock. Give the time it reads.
1:22
